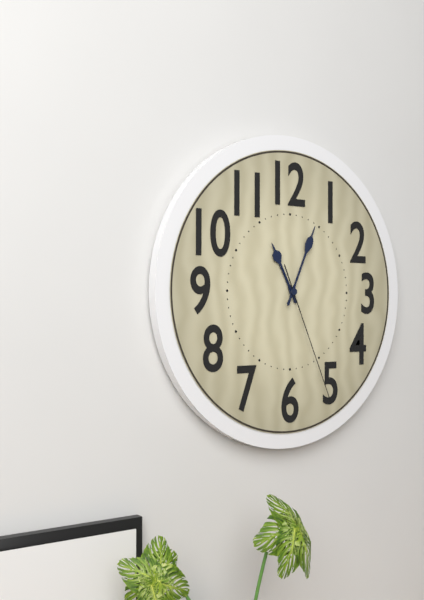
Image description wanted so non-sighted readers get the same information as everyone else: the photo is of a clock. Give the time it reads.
11:04:26
